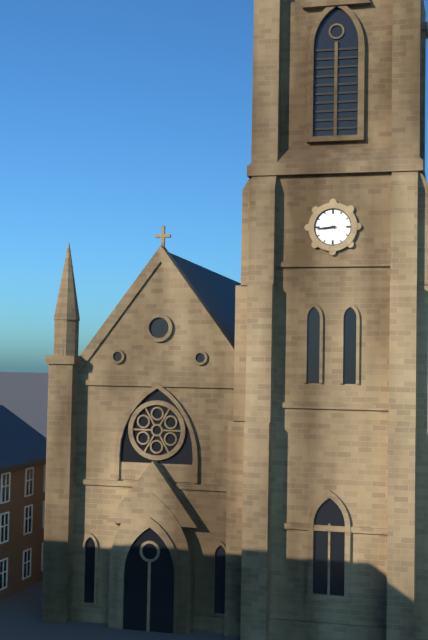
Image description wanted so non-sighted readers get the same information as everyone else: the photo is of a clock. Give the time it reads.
8:44
